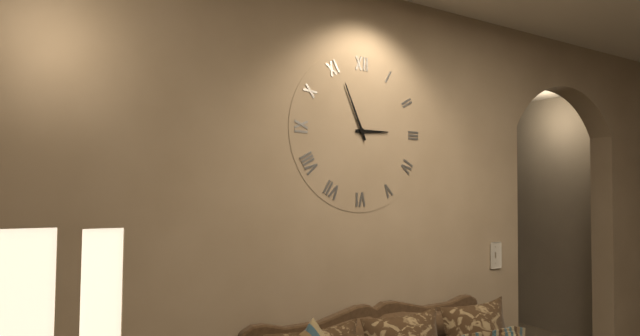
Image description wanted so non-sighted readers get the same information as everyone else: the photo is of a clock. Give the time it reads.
2:56
